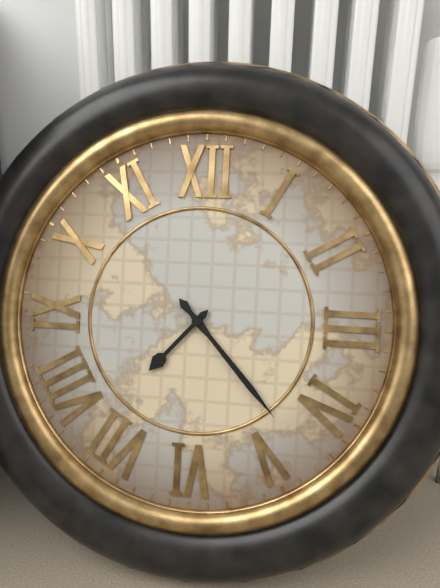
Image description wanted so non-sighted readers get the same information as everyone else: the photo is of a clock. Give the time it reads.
7:23
